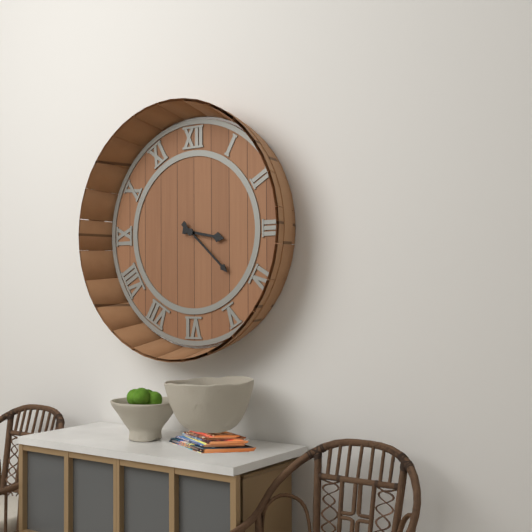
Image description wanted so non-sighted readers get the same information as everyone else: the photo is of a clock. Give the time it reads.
3:22
